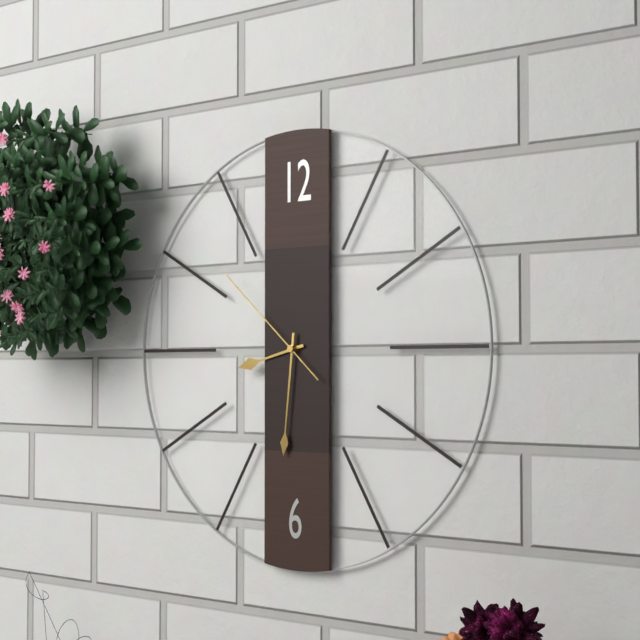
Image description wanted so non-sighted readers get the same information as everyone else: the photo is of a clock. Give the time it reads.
8:31:52
